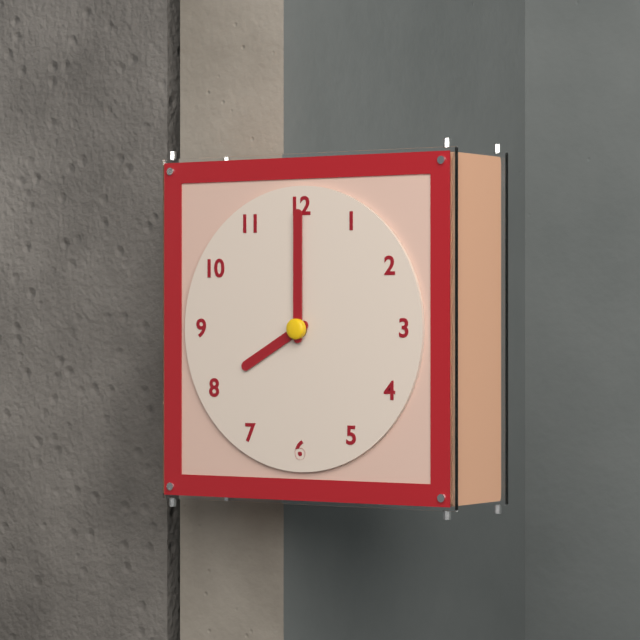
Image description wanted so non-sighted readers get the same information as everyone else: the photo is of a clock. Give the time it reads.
8:00
